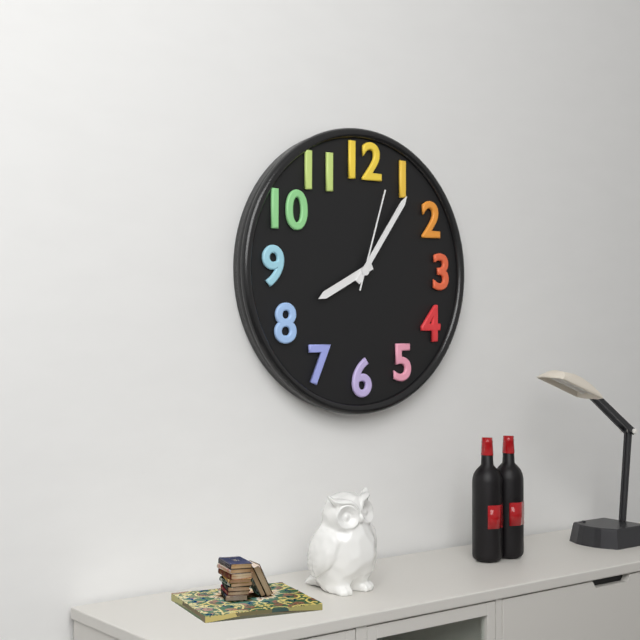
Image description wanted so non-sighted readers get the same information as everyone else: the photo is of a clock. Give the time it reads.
8:06:03
